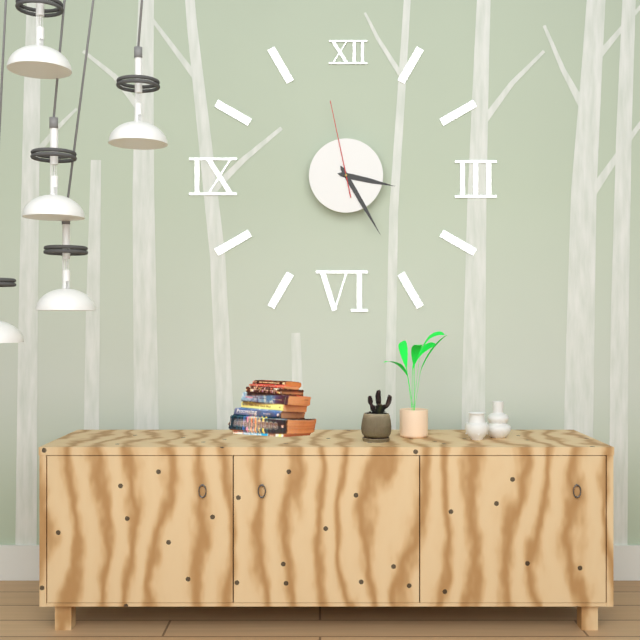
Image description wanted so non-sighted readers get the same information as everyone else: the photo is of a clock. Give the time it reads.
3:25:58
